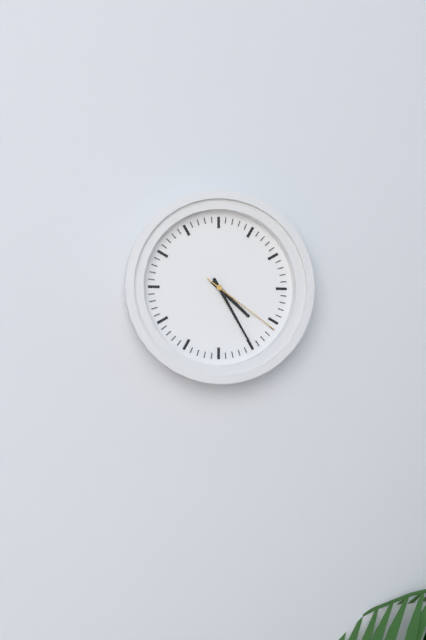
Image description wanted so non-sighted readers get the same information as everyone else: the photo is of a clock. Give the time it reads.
4:25:21
